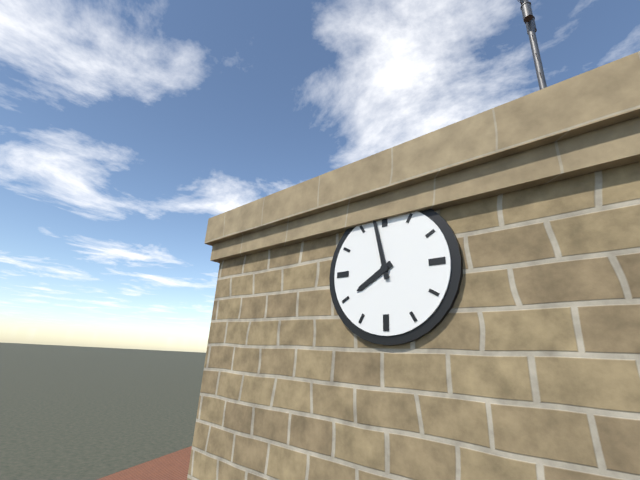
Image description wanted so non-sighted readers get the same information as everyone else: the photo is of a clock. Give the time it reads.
7:58
